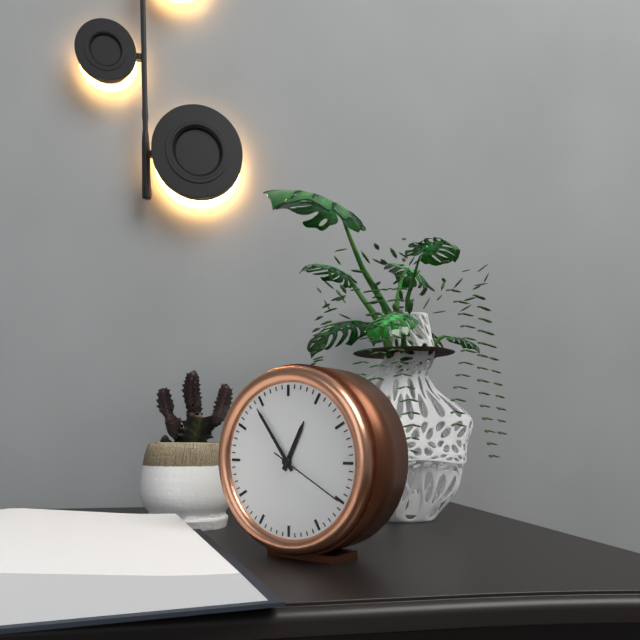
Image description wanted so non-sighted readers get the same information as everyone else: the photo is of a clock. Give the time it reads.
12:54:20
